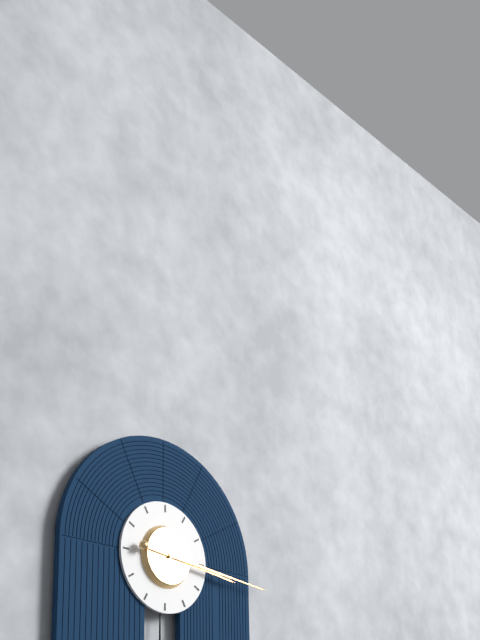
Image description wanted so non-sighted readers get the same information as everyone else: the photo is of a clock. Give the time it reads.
3:16
